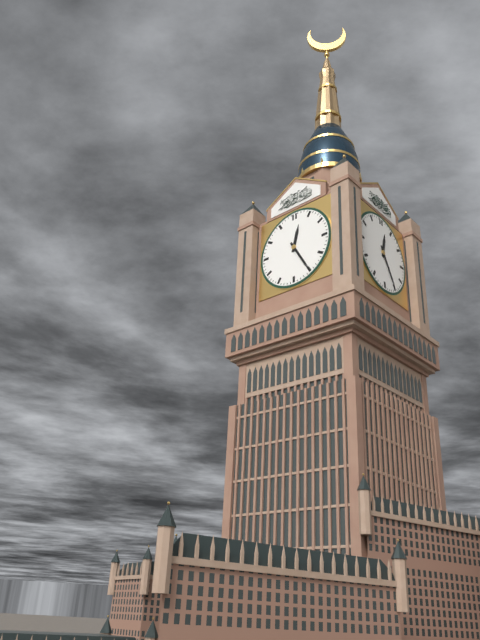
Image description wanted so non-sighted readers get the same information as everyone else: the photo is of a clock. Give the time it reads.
12:25
